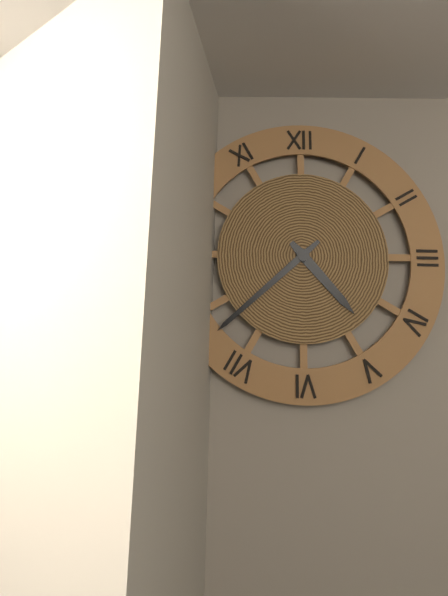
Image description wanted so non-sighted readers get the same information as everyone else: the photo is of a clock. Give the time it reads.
4:38
